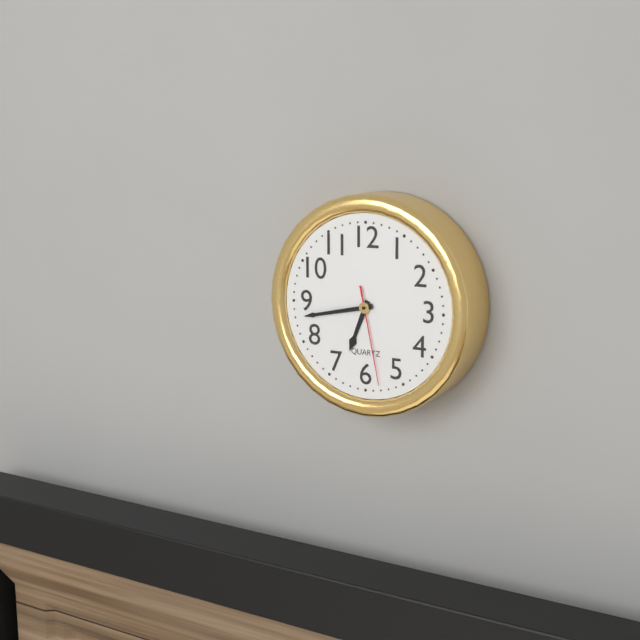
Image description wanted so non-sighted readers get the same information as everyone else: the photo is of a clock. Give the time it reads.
6:43:28
